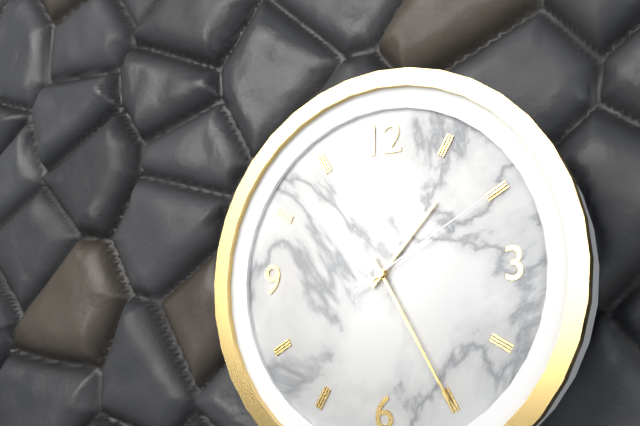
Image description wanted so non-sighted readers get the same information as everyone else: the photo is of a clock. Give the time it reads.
1:25:10
